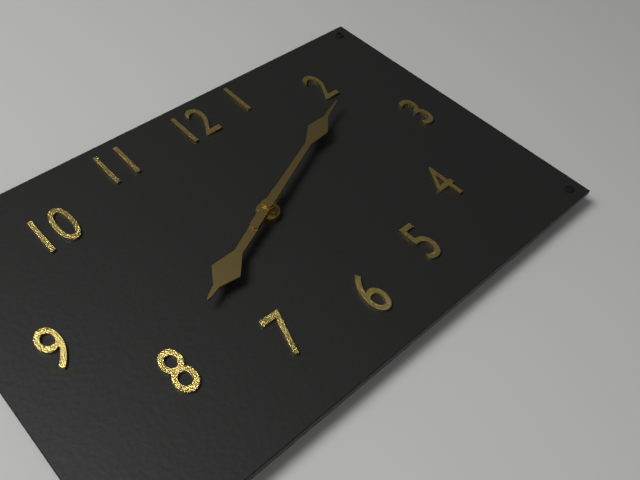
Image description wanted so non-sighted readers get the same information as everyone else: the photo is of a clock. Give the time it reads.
8:11
